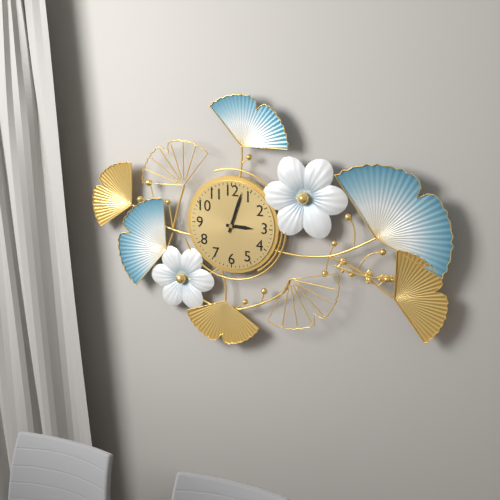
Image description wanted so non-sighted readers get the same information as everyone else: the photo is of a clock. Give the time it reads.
3:03
